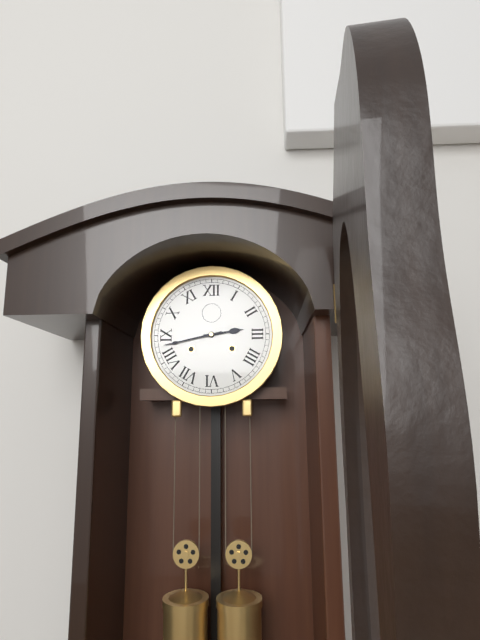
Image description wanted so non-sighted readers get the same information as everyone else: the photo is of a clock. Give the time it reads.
2:43
